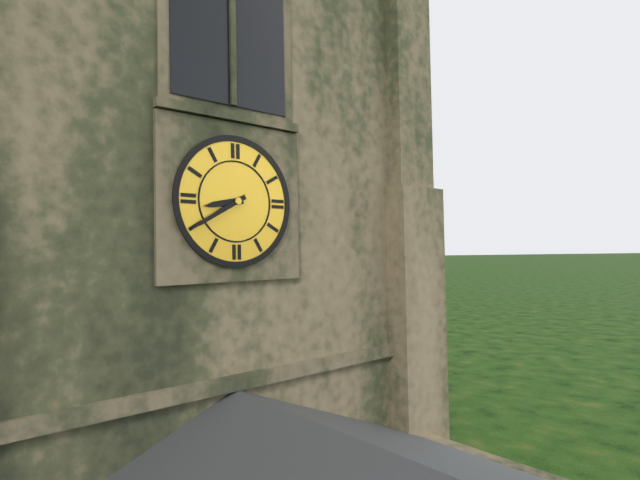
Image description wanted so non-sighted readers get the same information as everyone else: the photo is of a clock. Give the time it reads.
8:40
